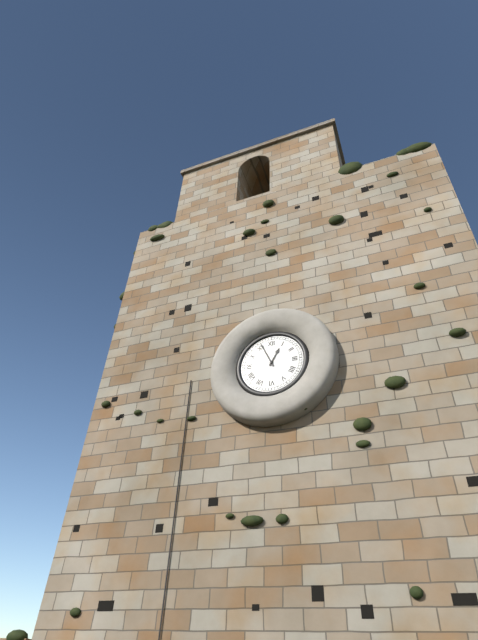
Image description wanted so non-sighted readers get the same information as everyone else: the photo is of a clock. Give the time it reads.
12:56
